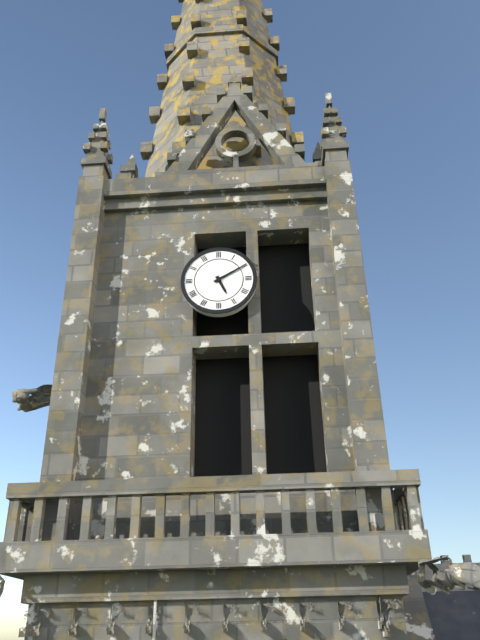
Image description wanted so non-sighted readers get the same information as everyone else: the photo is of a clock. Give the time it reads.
5:10
